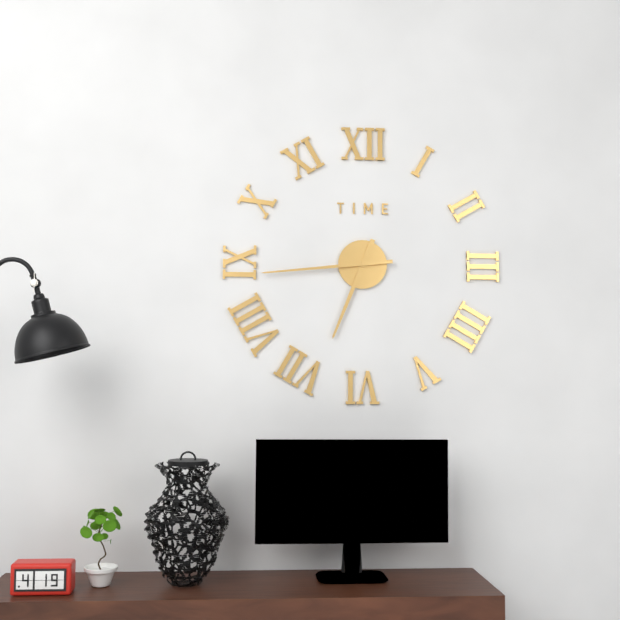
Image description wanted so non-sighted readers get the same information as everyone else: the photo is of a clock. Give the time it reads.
6:44
